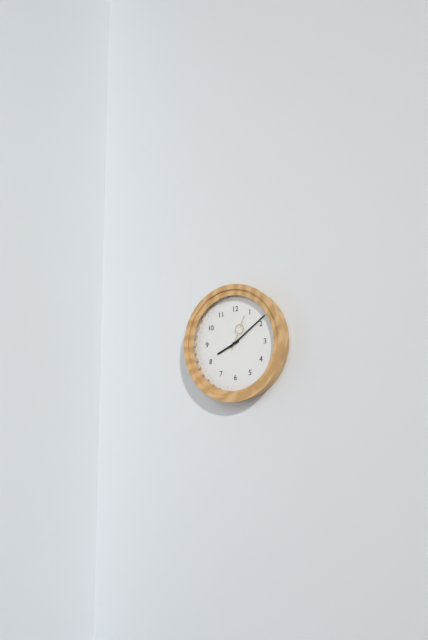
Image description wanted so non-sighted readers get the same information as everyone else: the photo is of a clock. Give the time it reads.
8:09
